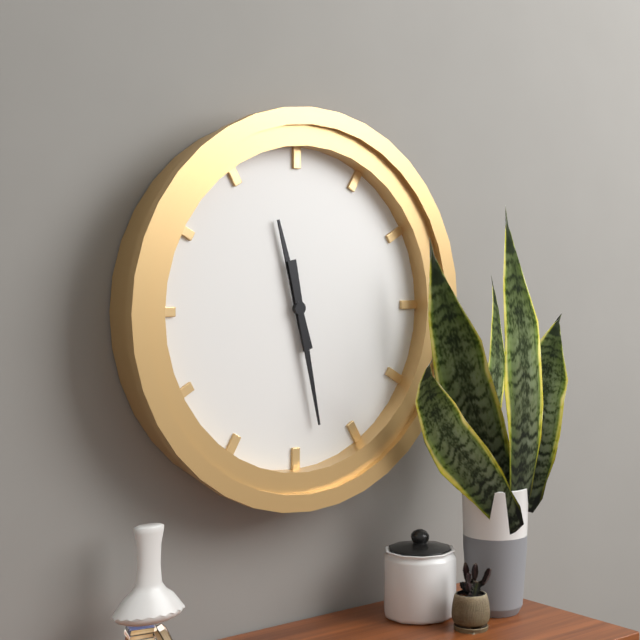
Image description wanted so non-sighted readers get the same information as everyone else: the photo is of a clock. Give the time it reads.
11:28
